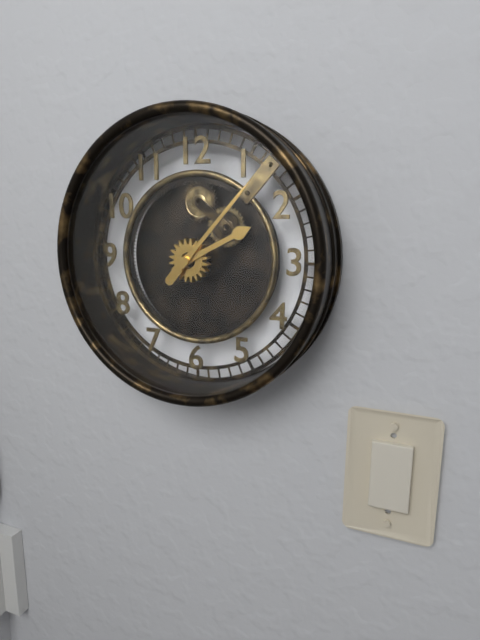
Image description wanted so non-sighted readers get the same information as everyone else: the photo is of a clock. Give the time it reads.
2:07
